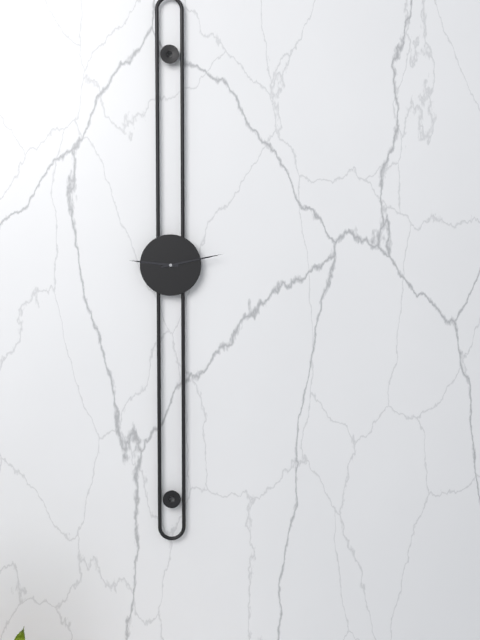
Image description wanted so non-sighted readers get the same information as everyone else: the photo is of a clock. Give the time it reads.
9:13
